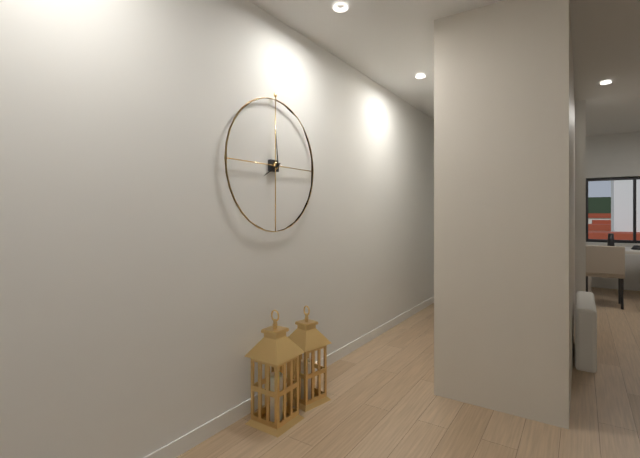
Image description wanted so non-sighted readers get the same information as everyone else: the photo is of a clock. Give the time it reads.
7:59
